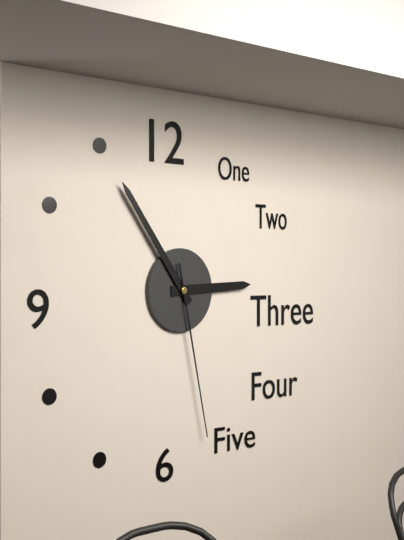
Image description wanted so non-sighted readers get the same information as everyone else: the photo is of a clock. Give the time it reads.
2:54:28
